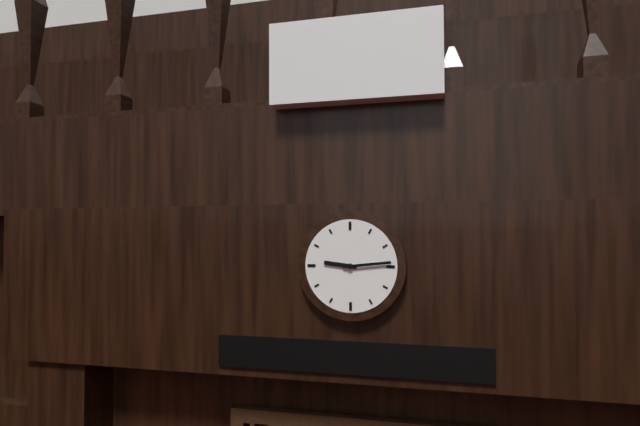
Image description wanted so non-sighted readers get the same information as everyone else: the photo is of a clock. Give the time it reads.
9:14
